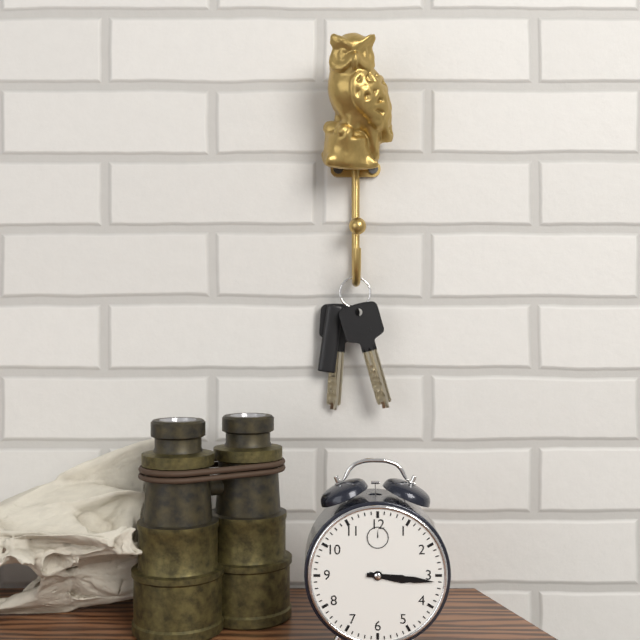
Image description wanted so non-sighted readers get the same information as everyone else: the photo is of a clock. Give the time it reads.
3:16
